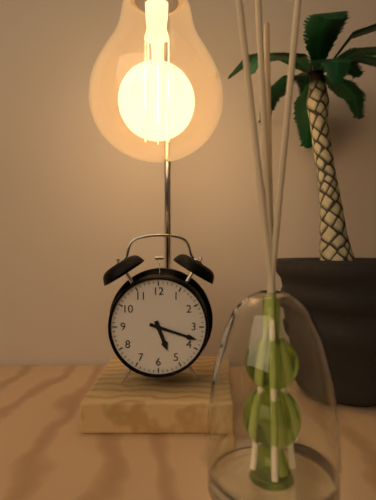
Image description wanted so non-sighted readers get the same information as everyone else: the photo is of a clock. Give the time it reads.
5:18
